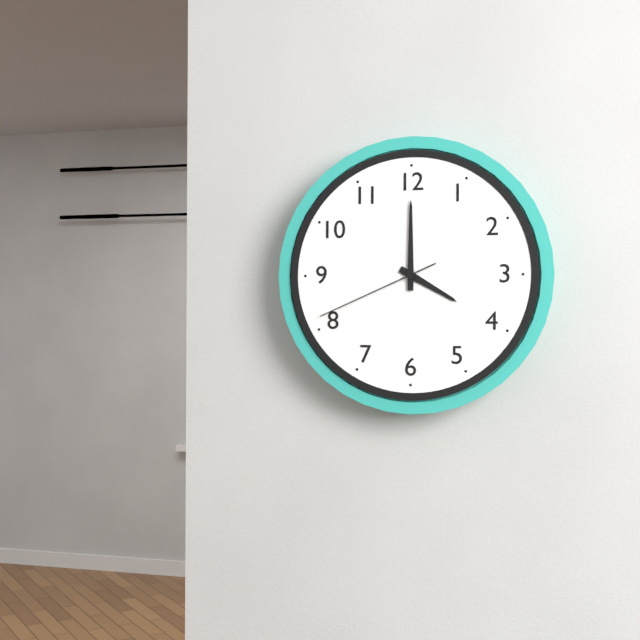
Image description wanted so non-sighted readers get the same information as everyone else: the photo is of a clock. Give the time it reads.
4:00:41
